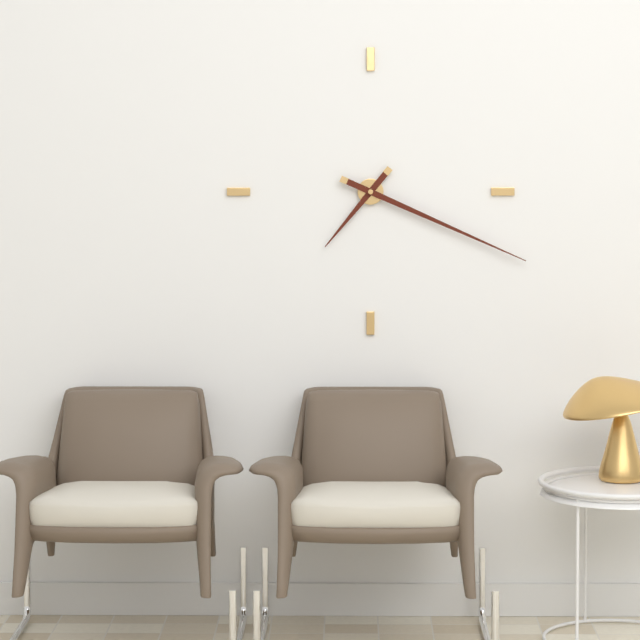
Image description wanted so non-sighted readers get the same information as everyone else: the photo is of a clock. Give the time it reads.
7:19
